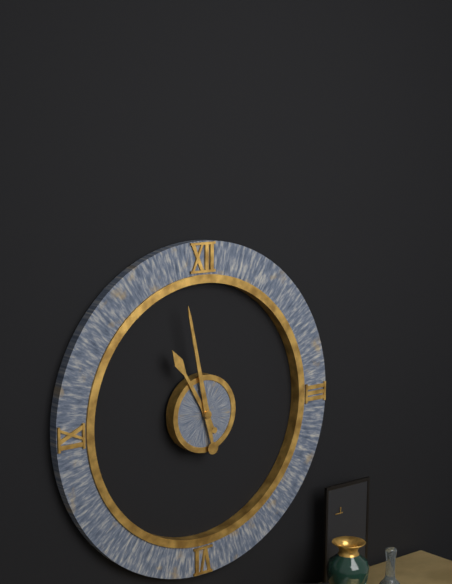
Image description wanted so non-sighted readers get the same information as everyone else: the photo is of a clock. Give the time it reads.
10:58
